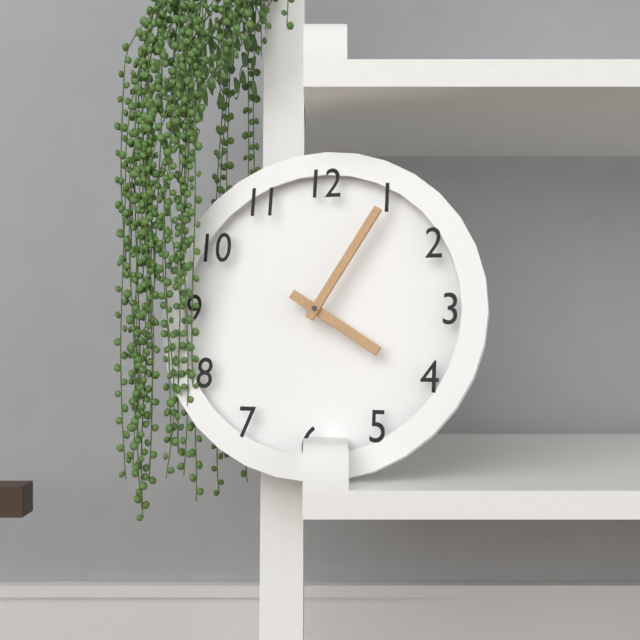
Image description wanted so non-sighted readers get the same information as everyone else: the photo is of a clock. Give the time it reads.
4:05
